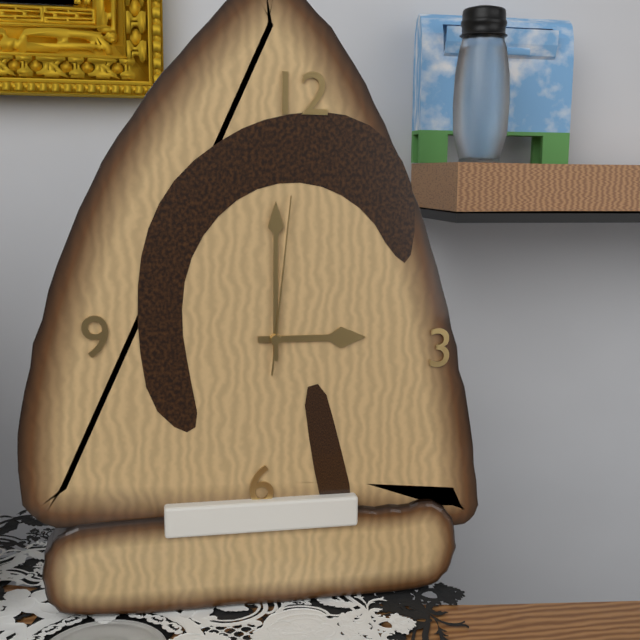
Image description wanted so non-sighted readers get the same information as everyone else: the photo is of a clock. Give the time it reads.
3:00:01
